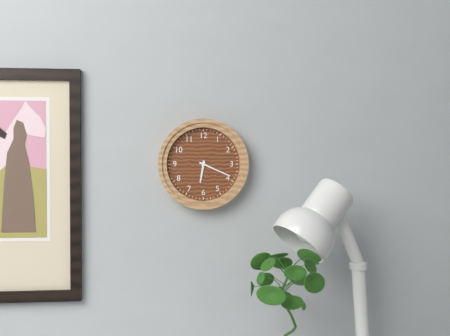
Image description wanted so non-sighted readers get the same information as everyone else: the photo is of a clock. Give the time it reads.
6:19
